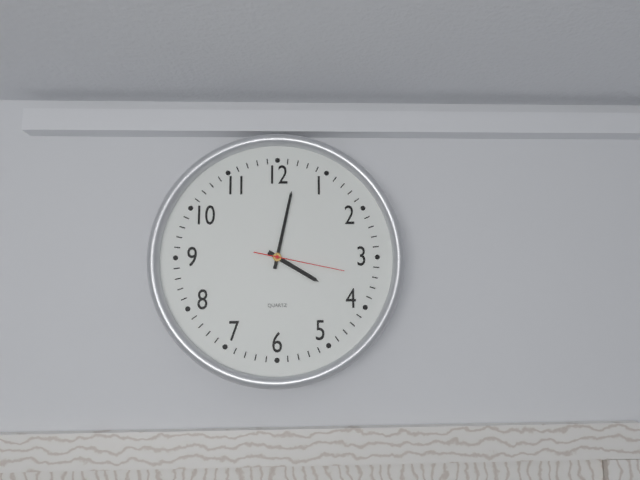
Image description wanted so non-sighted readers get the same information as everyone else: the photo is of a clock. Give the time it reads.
4:02:17
